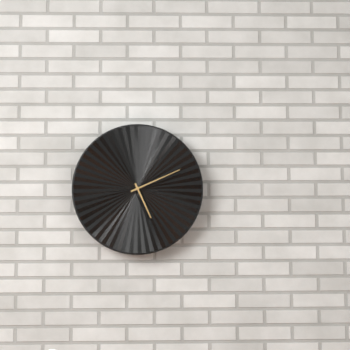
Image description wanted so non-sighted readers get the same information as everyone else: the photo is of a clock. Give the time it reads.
5:11
